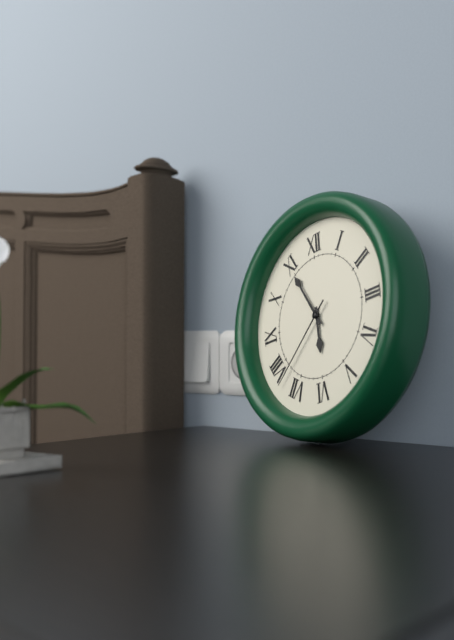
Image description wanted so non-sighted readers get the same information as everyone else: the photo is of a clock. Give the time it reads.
5:55:38
